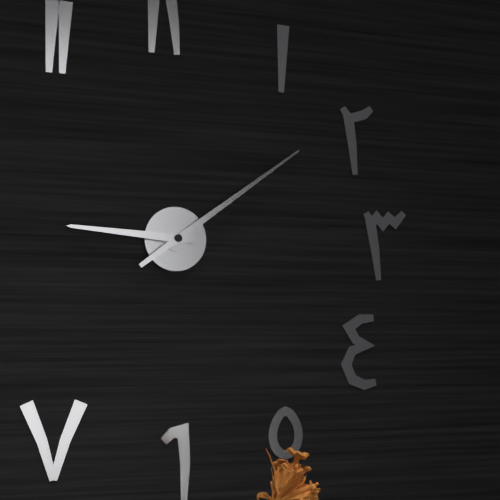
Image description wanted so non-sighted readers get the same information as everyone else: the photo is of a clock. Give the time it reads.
9:09
